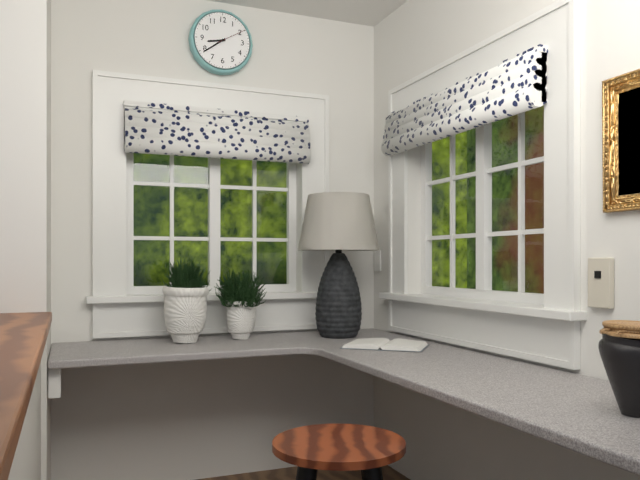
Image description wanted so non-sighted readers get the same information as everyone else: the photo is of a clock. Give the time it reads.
8:39
